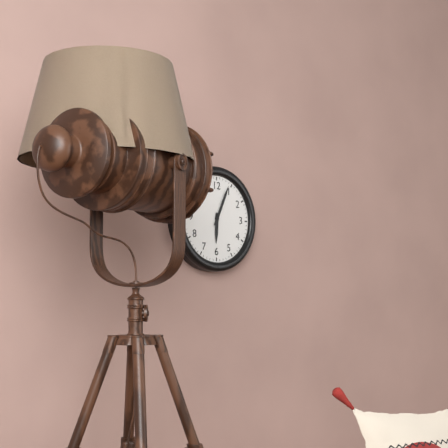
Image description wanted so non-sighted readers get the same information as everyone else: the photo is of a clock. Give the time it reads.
6:04
